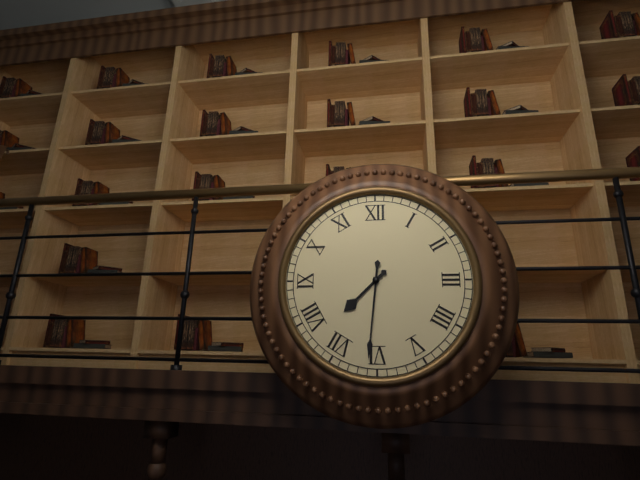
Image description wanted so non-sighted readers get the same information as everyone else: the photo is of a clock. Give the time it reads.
7:31
